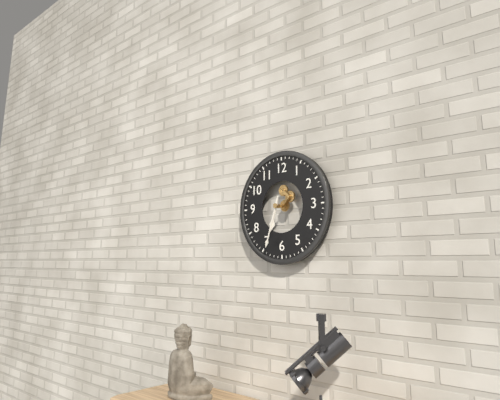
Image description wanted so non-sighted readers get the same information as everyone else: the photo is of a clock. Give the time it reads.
6:33
